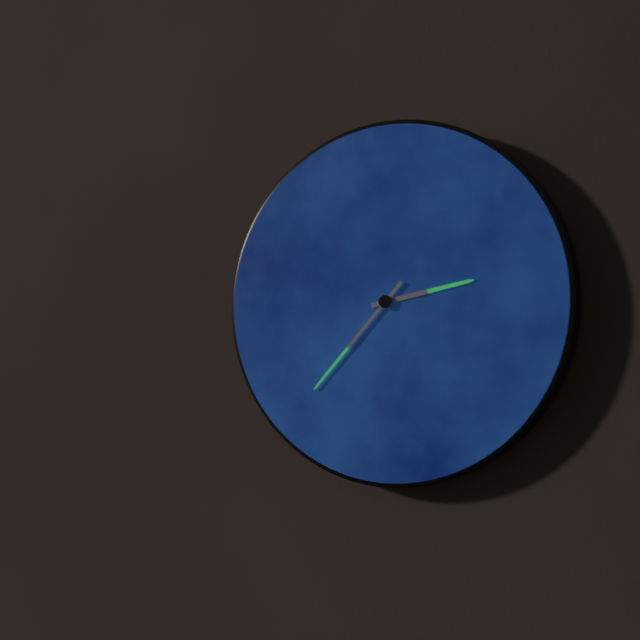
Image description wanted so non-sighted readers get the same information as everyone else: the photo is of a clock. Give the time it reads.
2:37
